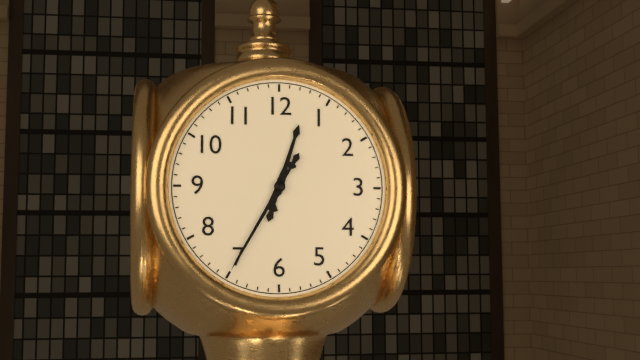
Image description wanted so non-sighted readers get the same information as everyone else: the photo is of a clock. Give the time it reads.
12:35
